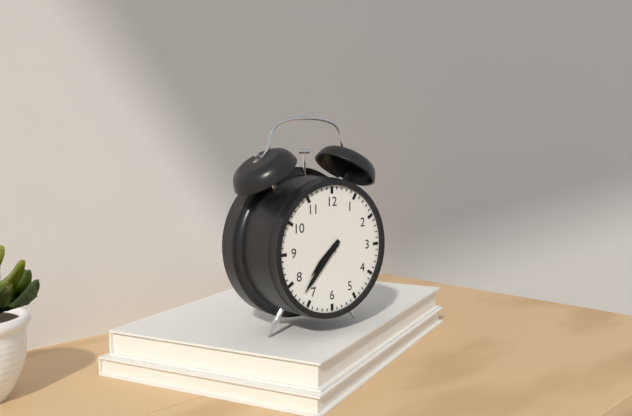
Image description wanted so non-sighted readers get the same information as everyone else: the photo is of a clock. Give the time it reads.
7:37
